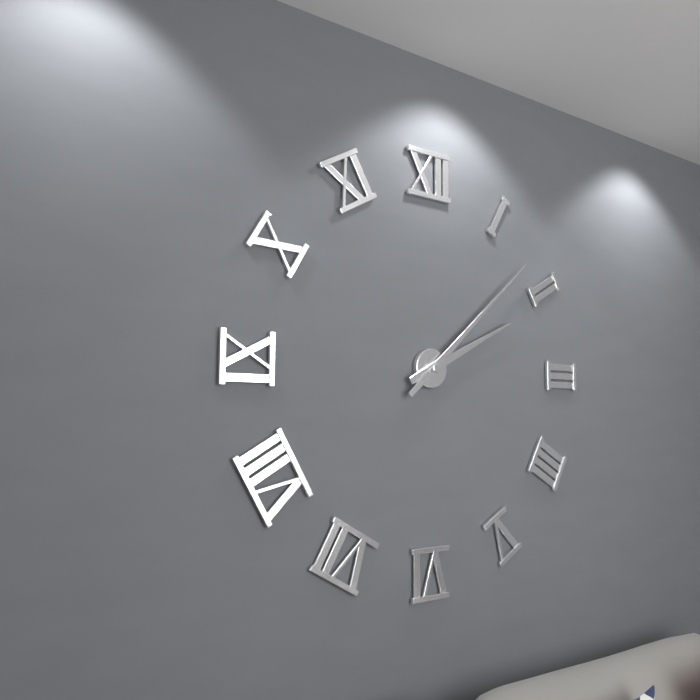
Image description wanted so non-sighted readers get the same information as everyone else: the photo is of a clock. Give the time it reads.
2:08
